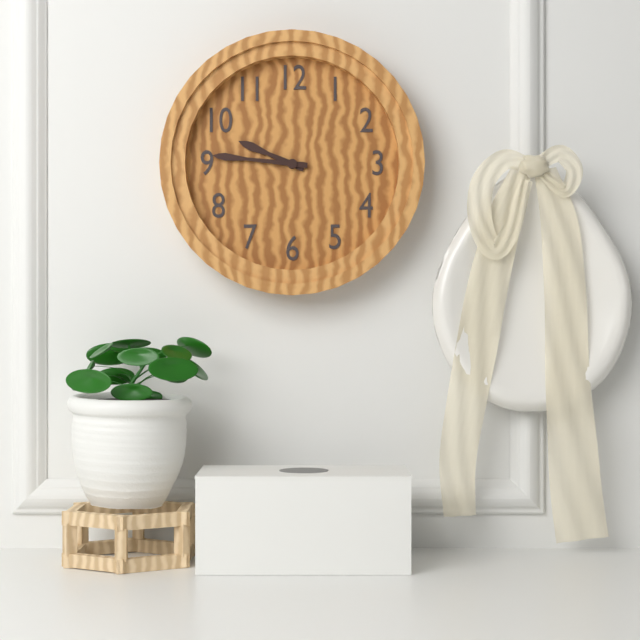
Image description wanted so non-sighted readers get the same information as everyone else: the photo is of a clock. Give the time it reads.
9:46
